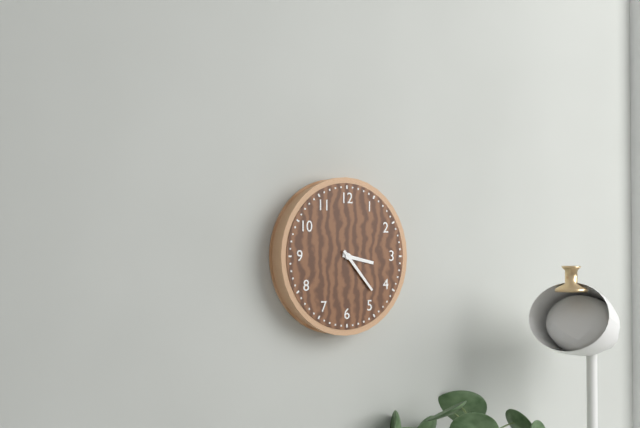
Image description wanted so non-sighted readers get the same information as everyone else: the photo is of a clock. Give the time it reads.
3:23
